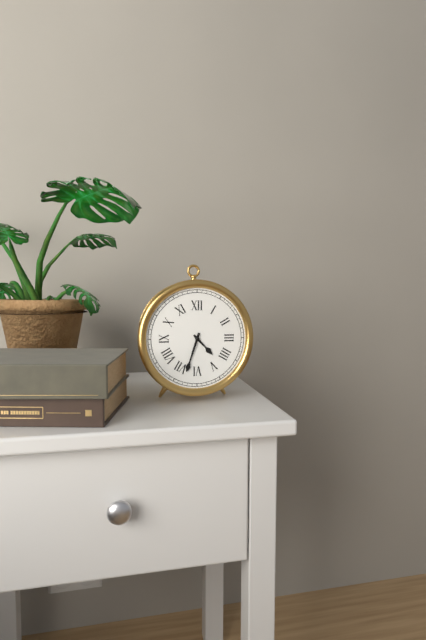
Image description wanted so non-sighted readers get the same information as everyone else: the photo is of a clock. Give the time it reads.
4:33
